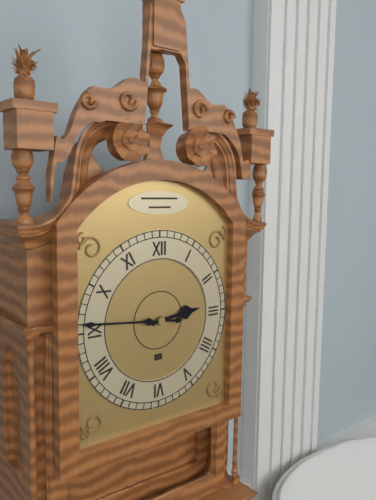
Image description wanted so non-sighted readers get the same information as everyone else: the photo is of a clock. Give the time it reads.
2:46
